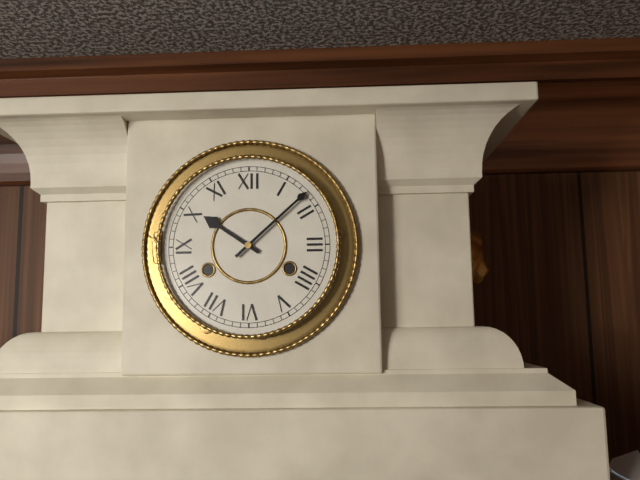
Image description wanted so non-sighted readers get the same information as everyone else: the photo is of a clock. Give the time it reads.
10:08
